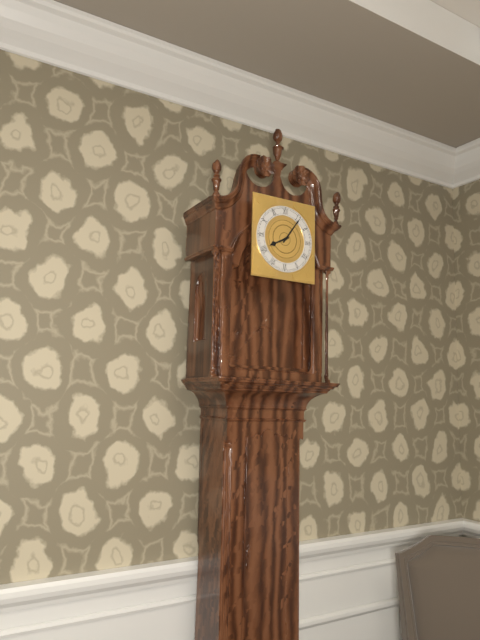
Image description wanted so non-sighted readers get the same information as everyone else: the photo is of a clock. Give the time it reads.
8:06
